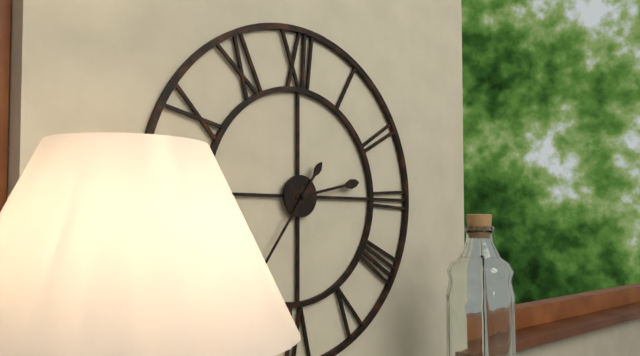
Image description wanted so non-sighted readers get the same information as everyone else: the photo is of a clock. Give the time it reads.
2:36
